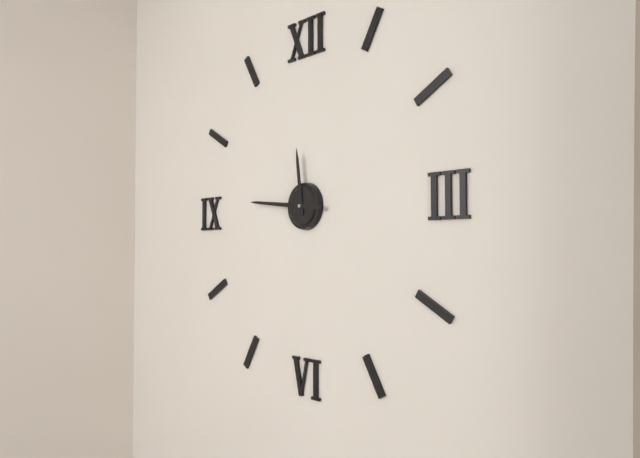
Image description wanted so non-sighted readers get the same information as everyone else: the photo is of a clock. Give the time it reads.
11:46
